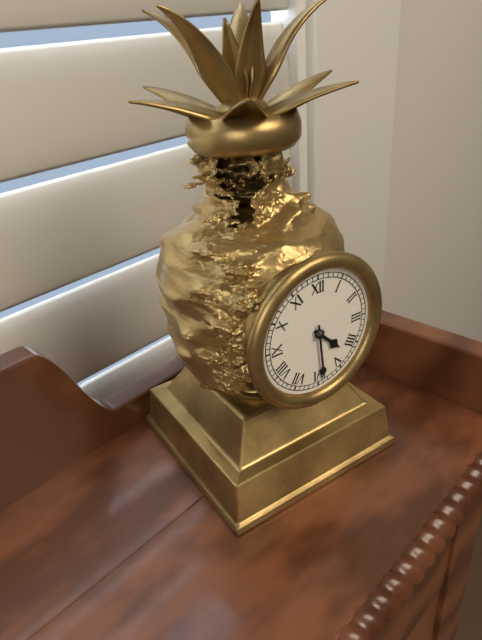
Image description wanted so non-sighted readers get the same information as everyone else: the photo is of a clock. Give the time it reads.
4:29
